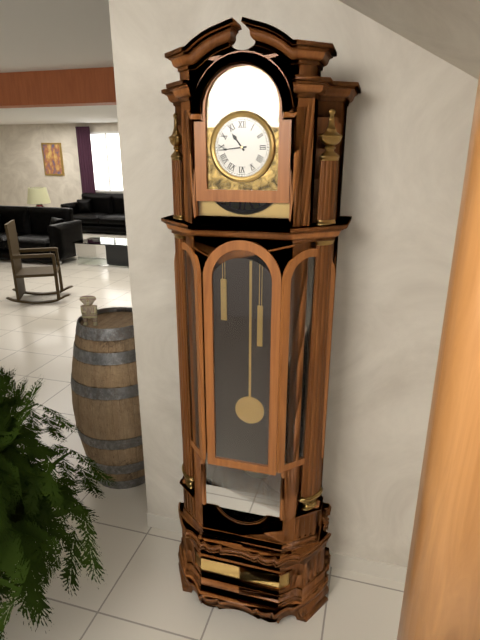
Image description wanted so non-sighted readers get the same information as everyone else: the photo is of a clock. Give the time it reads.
10:44
